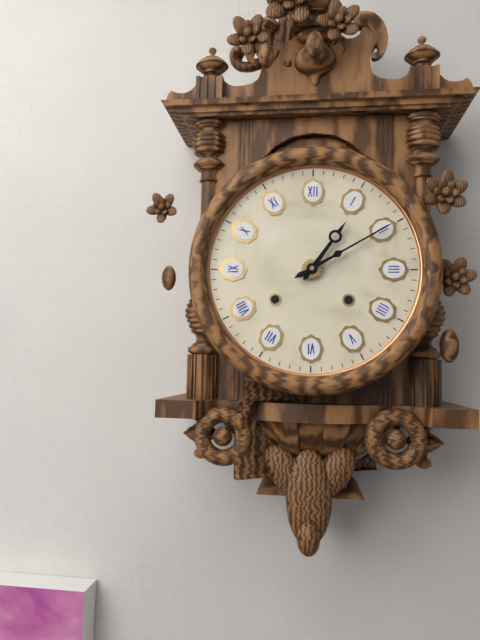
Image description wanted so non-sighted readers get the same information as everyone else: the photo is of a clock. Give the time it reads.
1:10
